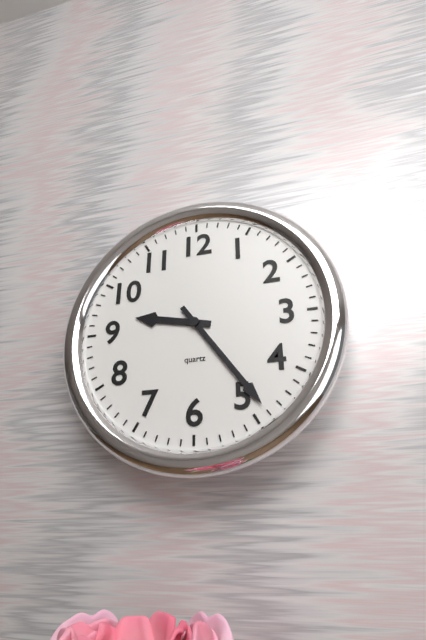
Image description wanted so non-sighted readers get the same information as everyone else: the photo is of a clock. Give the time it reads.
9:24
